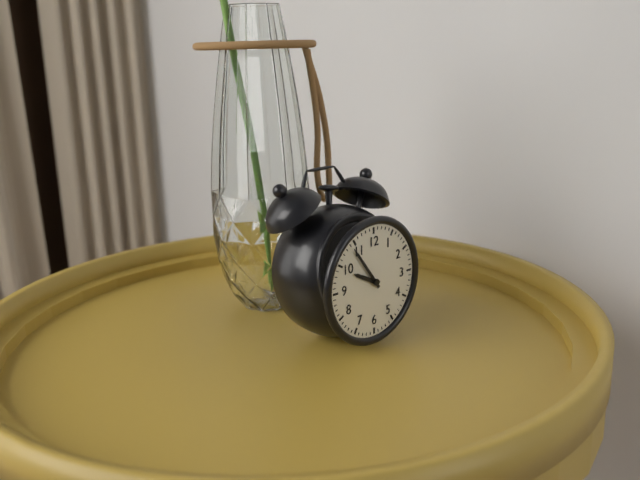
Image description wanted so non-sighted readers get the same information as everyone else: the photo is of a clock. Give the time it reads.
9:54
